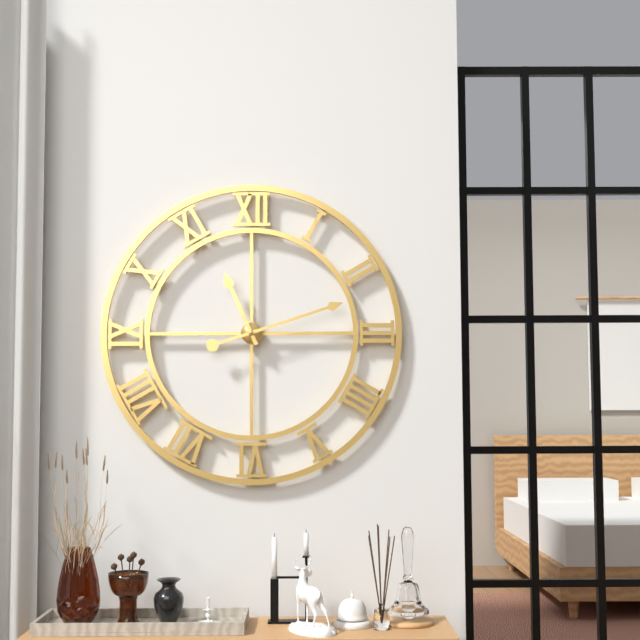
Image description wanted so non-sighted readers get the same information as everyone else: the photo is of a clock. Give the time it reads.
11:12
